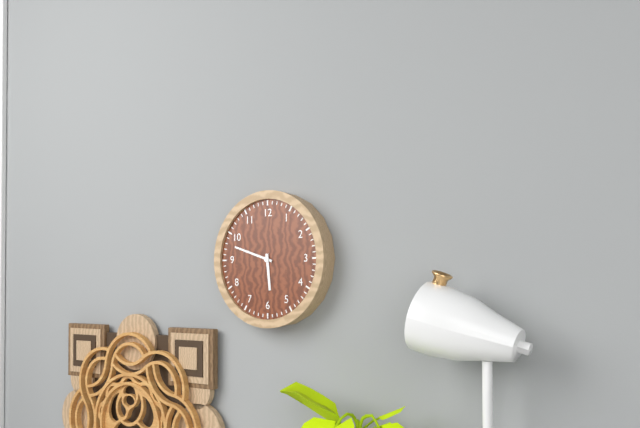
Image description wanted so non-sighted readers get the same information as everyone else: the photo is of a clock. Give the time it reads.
5:48
